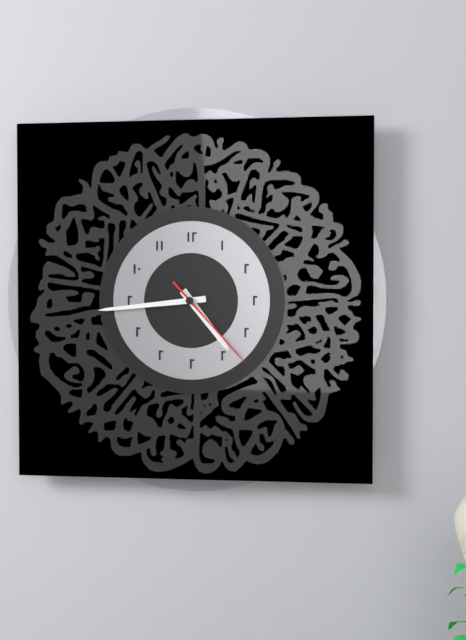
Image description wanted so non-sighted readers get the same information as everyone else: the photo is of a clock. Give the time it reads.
4:44:23
